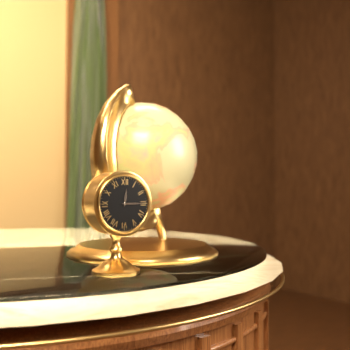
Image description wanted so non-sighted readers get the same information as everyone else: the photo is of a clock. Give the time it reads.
12:15
